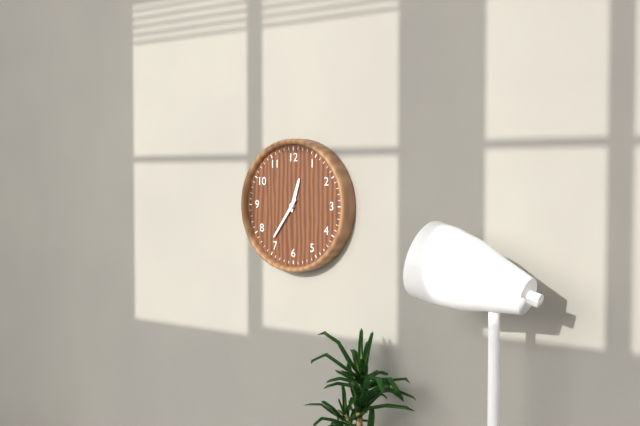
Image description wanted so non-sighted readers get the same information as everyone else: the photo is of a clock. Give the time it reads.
12:36
